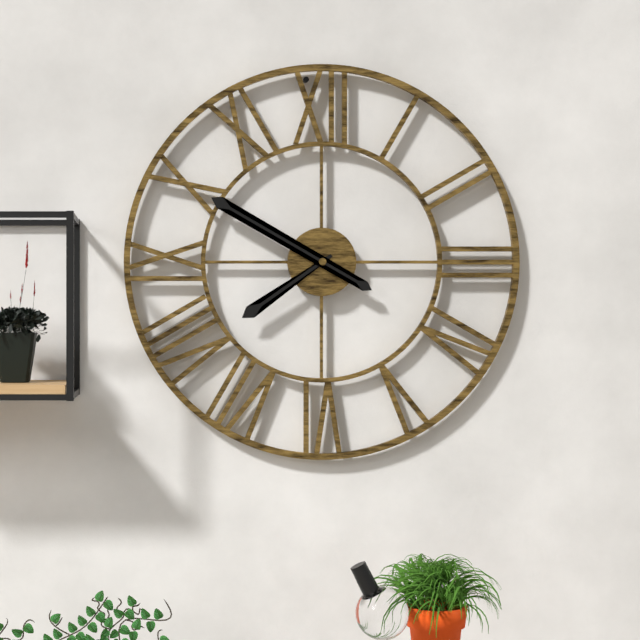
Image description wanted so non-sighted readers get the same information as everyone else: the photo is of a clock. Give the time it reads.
7:50
